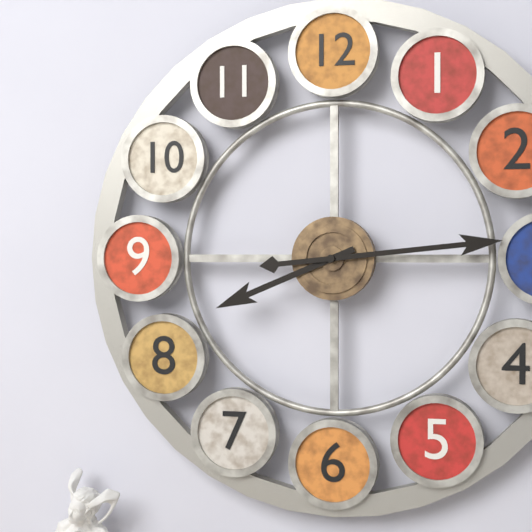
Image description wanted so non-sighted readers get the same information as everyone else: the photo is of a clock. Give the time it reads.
8:14
